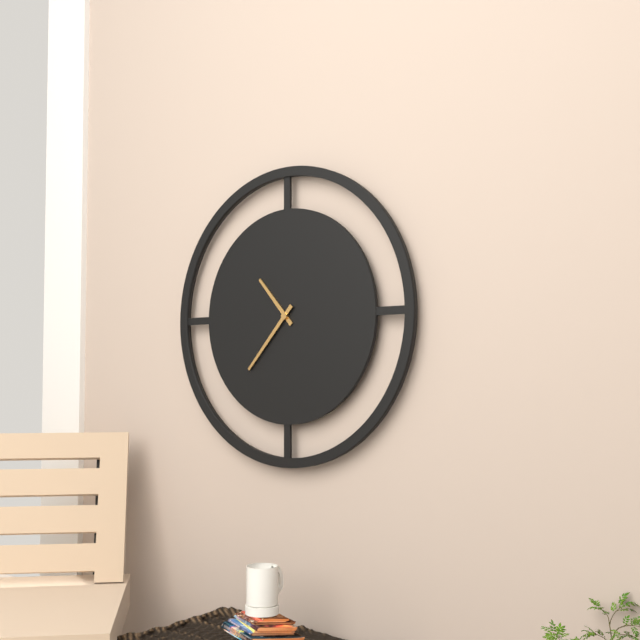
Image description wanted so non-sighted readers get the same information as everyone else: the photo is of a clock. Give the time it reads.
10:37
